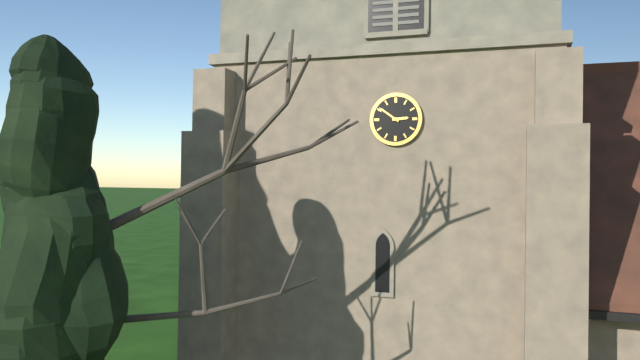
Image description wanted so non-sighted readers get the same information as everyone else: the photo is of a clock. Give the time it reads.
2:51
